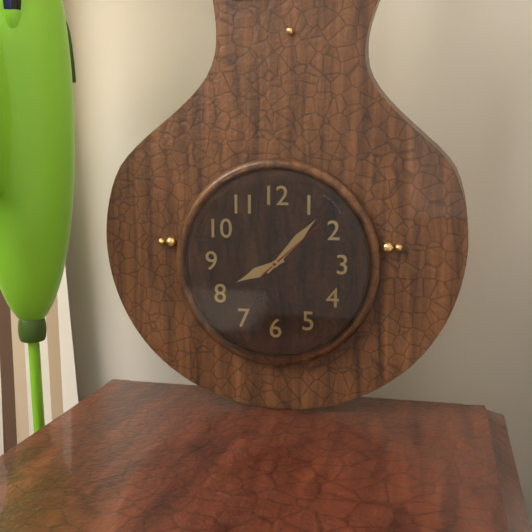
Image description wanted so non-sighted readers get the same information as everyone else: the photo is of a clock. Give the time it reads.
8:07:08
